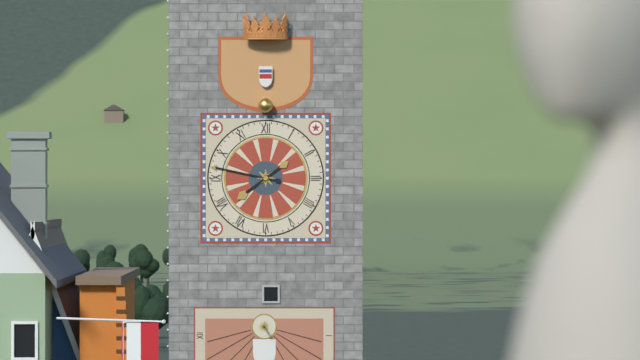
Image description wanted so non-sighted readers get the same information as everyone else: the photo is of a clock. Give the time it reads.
7:47
